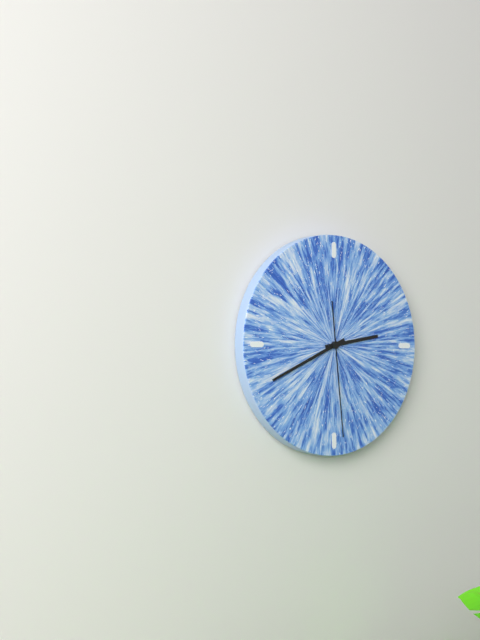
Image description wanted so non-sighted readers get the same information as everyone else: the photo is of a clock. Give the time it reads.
2:41:29
